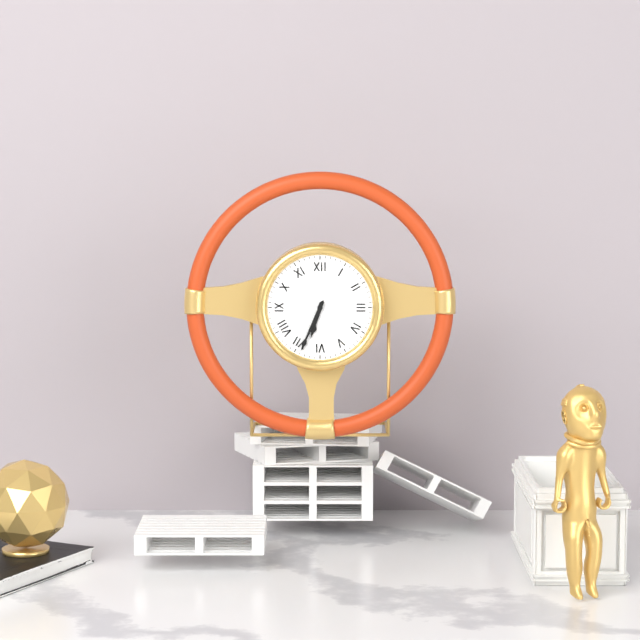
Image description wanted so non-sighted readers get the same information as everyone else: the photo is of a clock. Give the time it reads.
6:34
